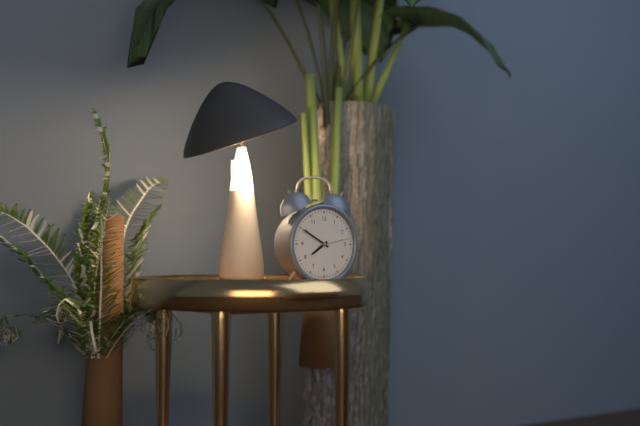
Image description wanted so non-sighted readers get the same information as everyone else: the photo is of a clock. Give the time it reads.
7:50
